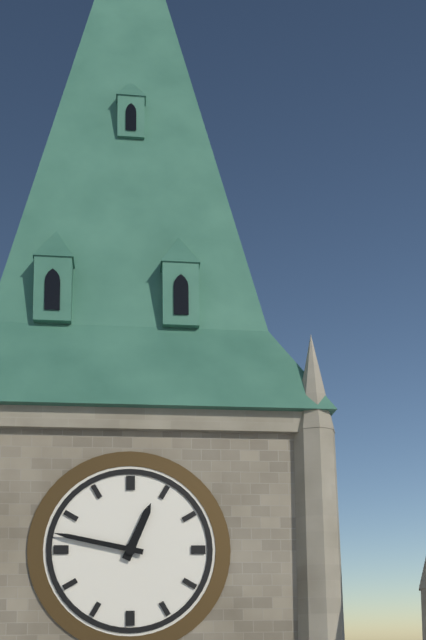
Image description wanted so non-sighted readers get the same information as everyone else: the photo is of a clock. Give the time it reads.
12:47
